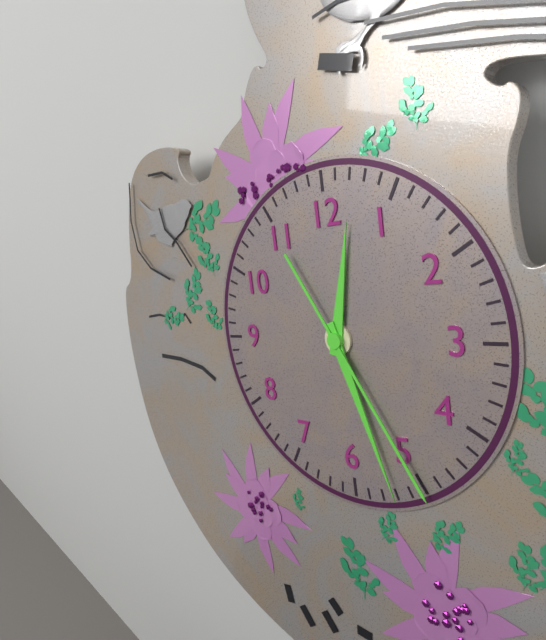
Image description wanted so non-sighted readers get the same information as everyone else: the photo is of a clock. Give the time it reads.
12:27:25
